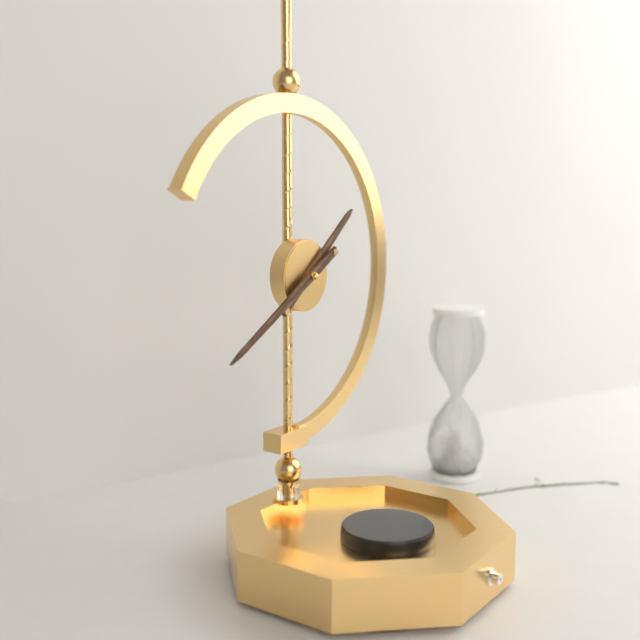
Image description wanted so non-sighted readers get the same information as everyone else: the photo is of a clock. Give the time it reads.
1:40
